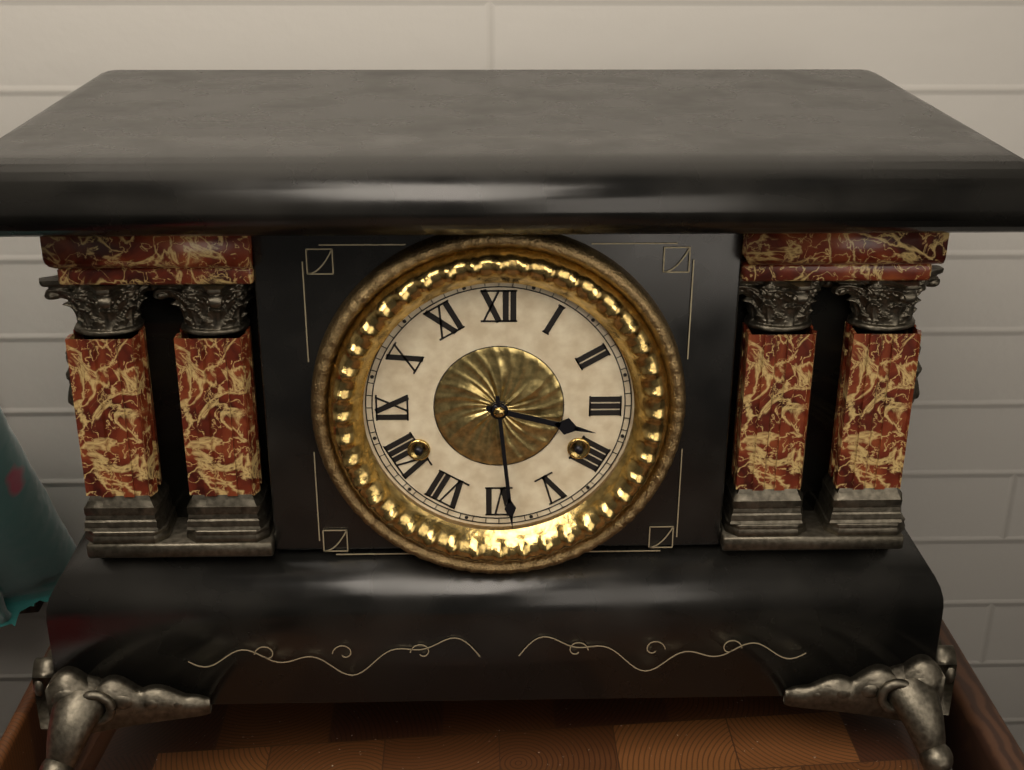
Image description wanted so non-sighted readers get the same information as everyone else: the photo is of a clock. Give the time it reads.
3:29
